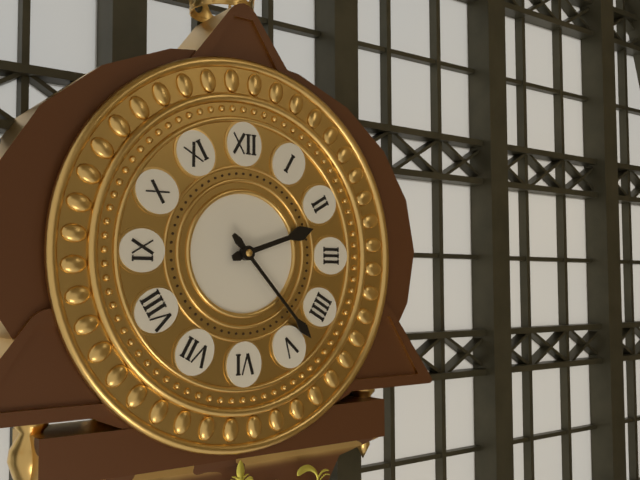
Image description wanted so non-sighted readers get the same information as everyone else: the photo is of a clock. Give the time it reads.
2:23
